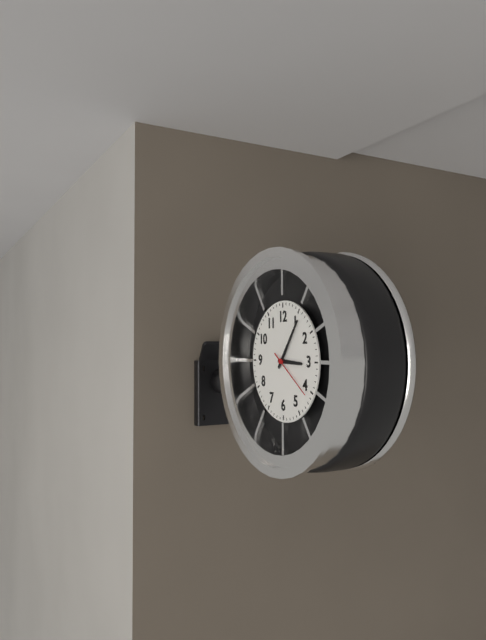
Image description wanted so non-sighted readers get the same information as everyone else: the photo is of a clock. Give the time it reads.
3:06
